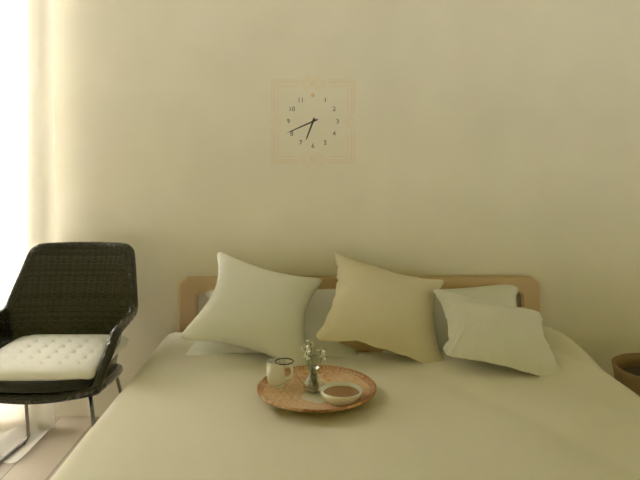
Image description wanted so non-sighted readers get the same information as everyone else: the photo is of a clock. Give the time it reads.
6:41
